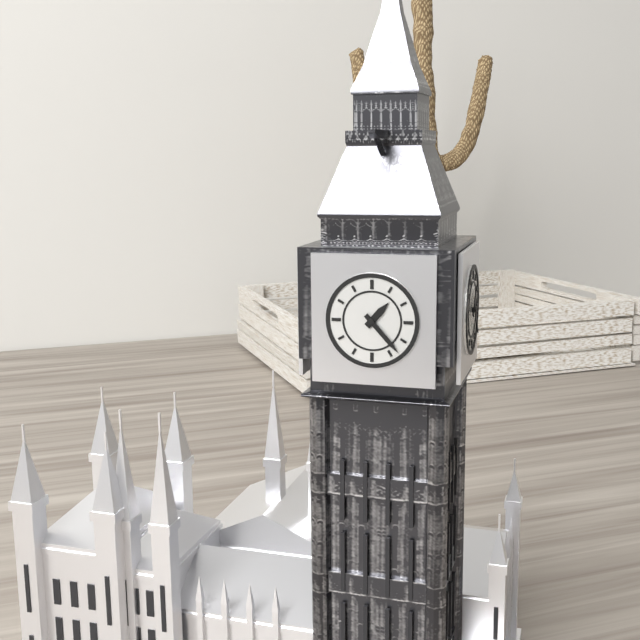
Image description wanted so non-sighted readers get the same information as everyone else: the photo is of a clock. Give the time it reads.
1:23
